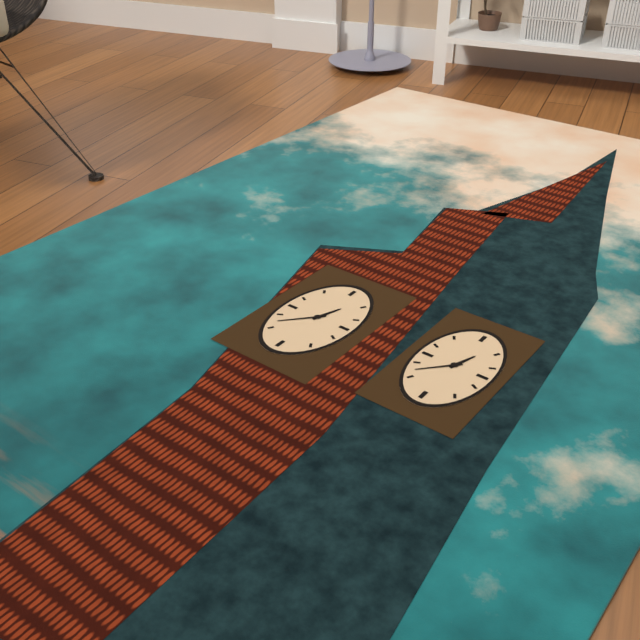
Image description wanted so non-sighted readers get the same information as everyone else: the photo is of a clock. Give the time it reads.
12:37
